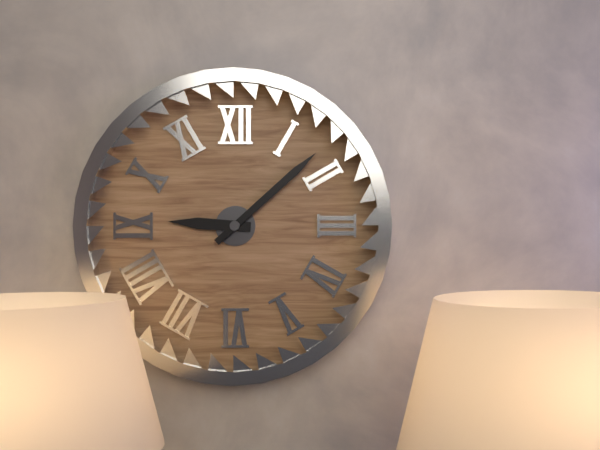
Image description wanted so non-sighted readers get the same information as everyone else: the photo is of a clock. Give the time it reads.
9:08
